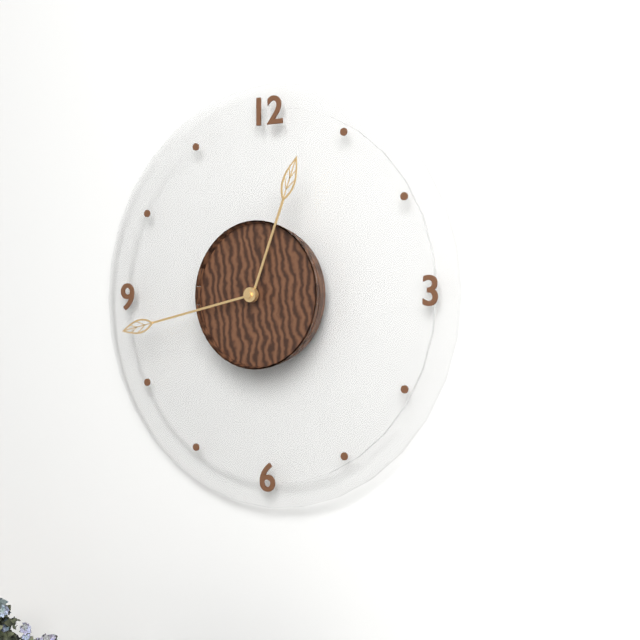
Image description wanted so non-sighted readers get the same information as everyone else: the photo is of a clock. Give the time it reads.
12:43
